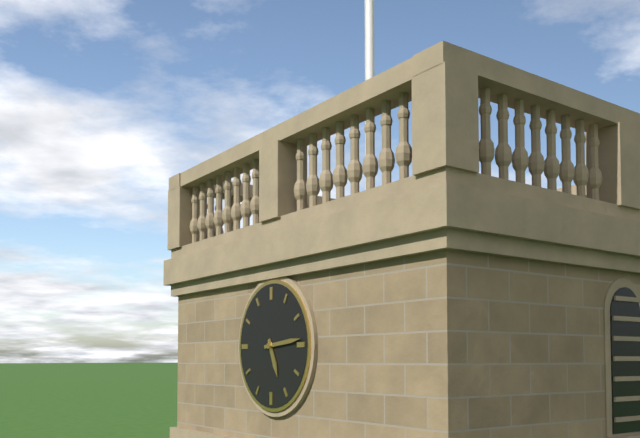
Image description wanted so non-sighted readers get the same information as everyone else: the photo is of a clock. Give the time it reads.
5:14
